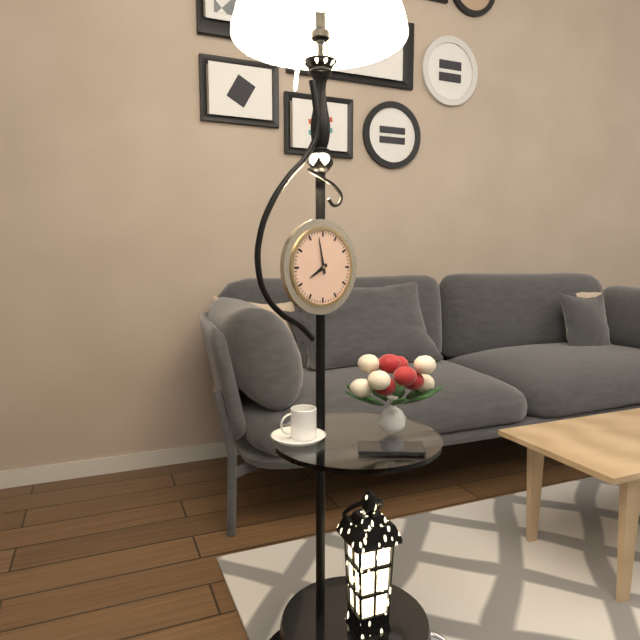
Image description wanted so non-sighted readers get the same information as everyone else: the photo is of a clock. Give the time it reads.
7:58
